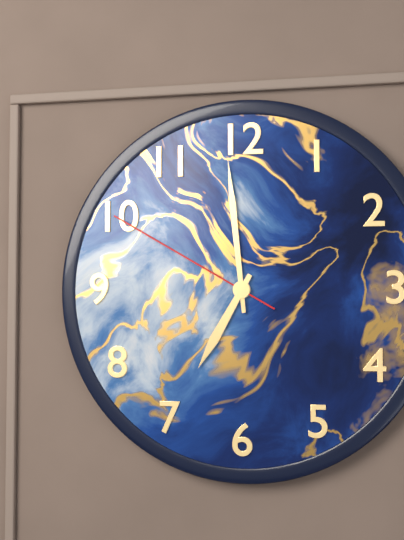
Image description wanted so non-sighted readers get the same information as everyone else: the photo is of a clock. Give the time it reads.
6:59:50
